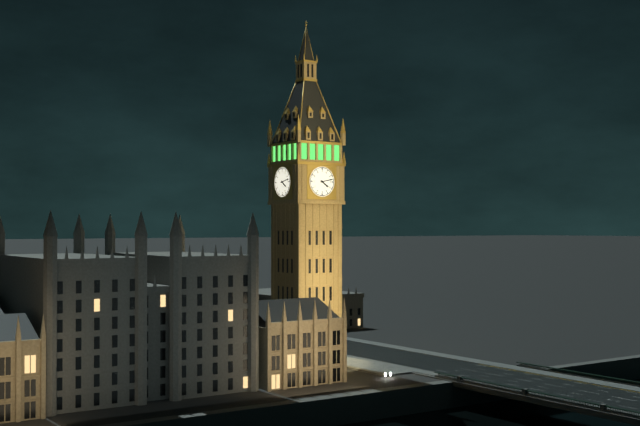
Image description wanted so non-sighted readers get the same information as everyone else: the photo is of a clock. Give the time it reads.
4:13
